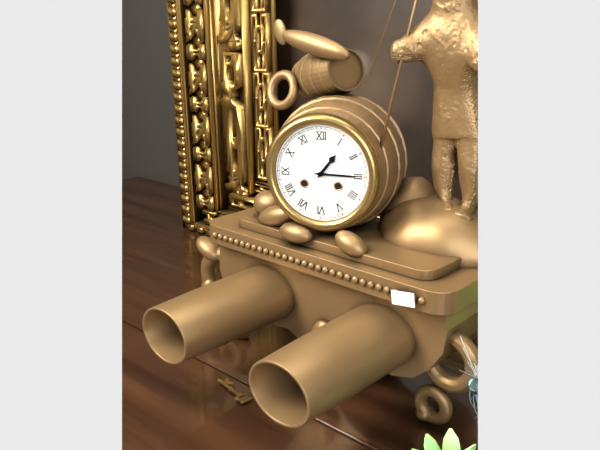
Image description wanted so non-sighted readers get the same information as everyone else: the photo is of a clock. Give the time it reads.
1:15
